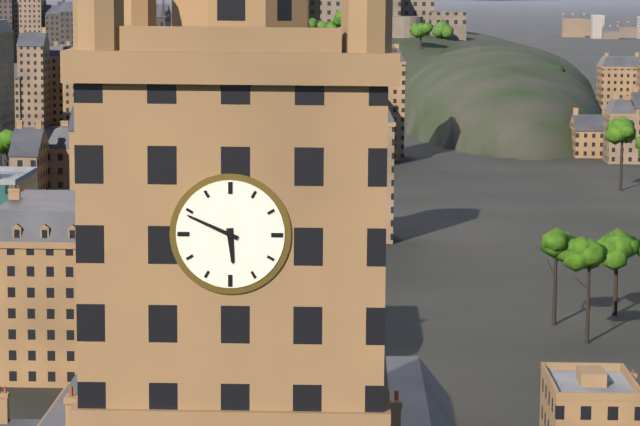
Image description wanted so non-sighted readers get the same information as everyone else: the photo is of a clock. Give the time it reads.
5:49
